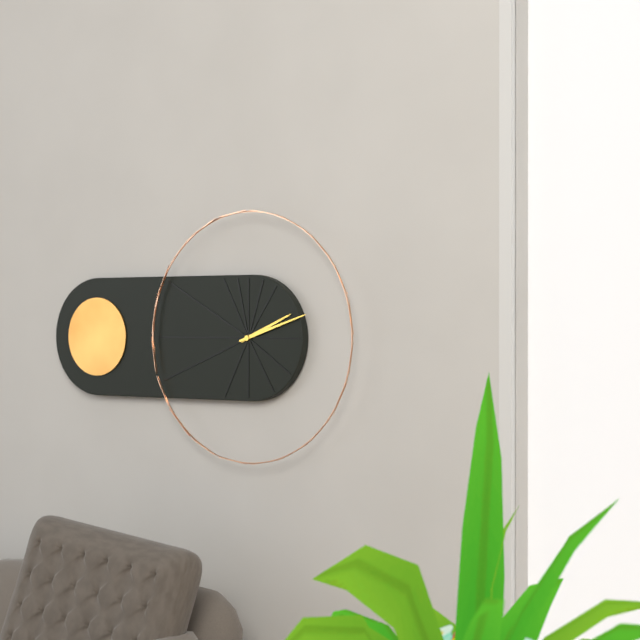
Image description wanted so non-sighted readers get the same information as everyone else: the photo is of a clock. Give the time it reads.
2:12
